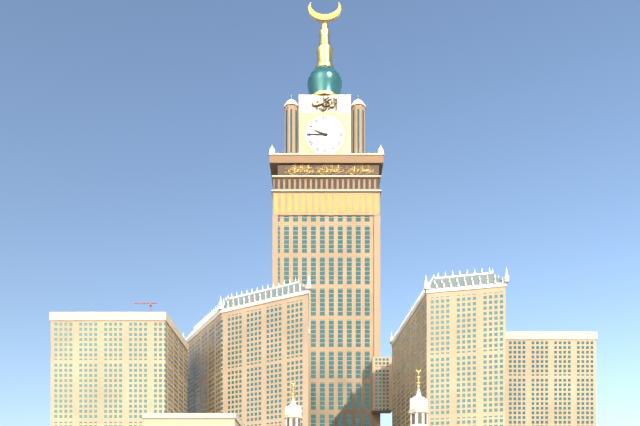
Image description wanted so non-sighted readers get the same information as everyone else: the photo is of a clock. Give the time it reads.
9:45
